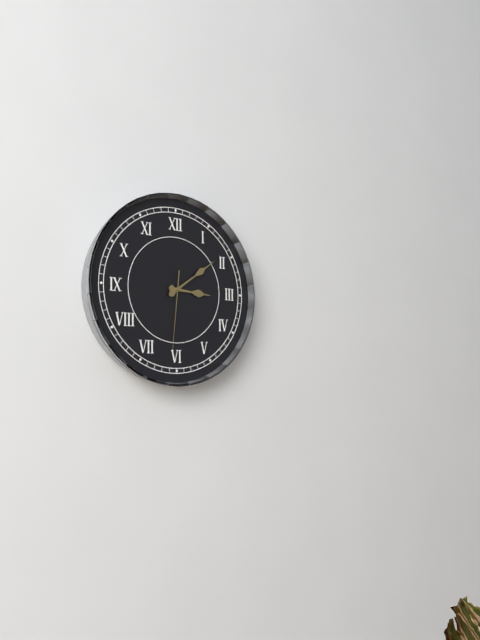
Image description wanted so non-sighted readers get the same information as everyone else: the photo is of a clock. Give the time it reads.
3:09:31
